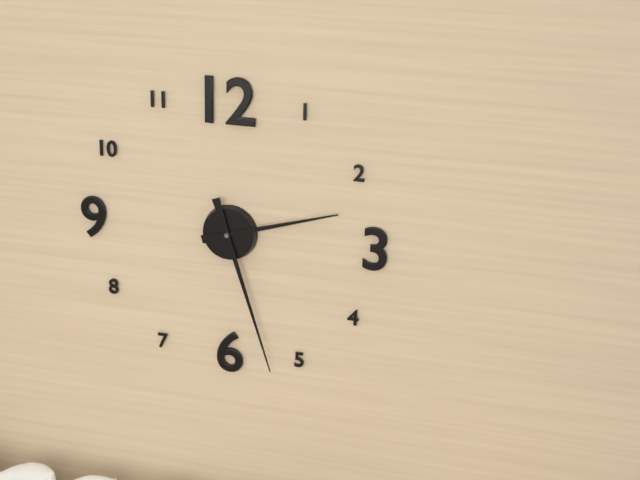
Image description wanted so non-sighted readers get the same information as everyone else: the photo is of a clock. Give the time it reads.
2:27
